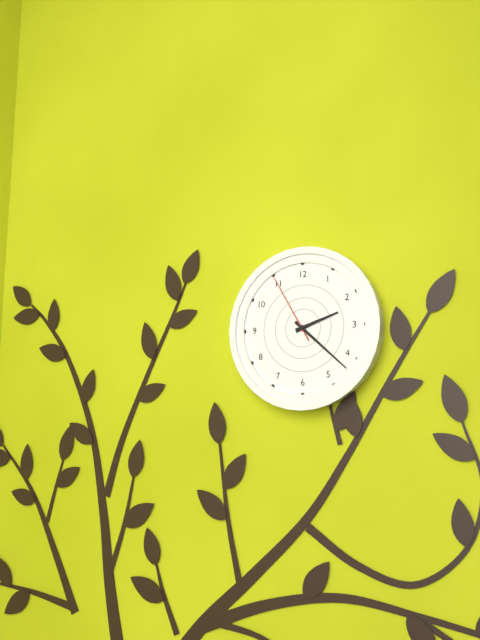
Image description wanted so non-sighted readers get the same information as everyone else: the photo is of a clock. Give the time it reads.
2:22:55
